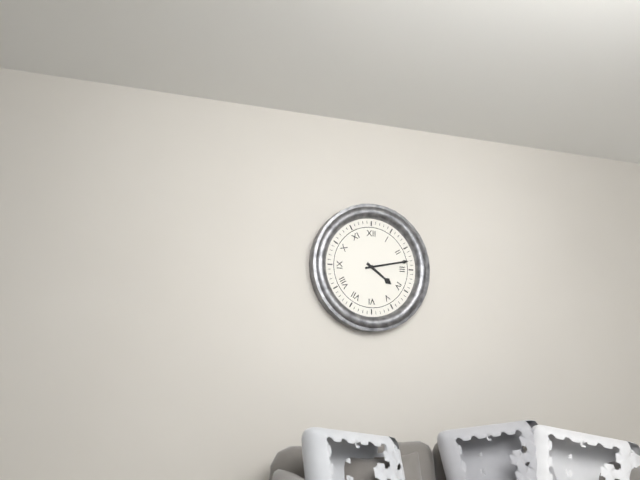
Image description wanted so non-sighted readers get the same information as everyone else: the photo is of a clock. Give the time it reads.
4:13
